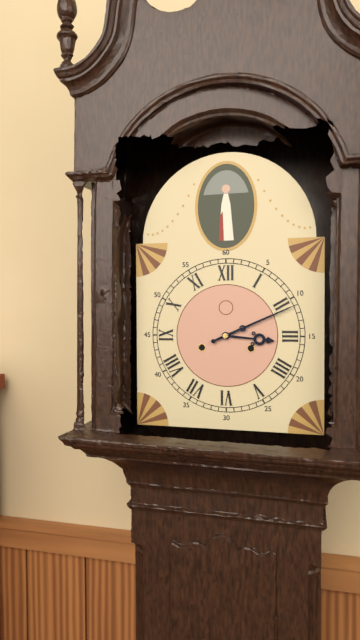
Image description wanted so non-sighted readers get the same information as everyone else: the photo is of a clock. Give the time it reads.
3:11
